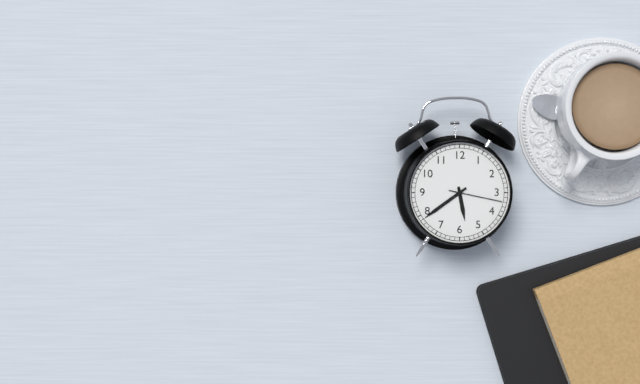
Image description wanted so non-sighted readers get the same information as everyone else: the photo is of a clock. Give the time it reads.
5:39:17
